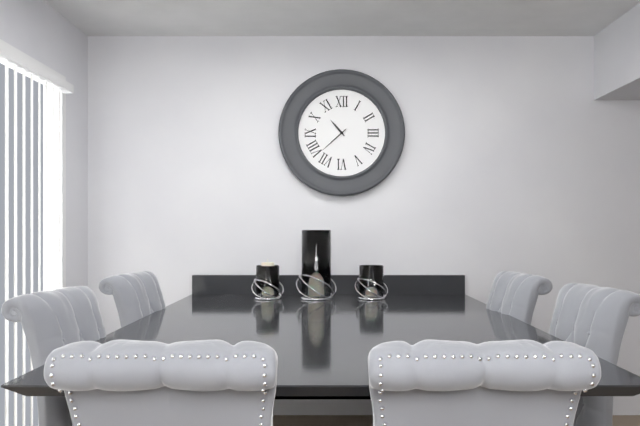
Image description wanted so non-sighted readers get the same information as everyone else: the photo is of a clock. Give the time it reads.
10:38
